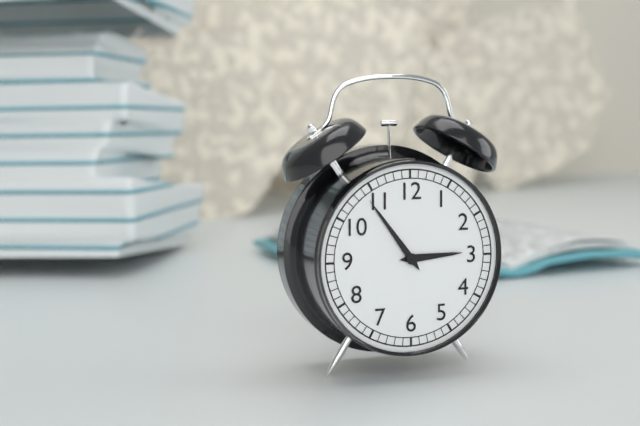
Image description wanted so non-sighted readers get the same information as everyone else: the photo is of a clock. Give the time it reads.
2:54
